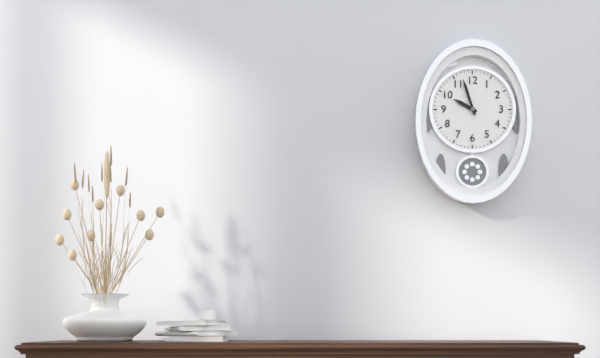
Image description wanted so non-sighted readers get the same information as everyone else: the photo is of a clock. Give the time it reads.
9:57
